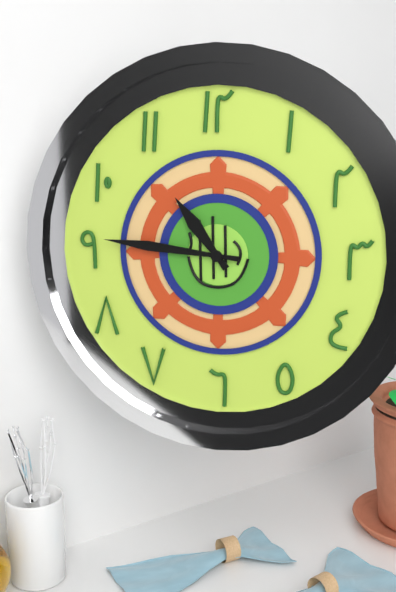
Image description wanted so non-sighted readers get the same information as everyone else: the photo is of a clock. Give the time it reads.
10:46
